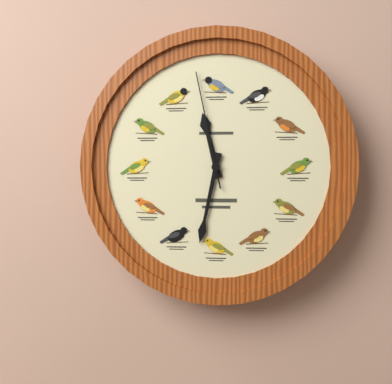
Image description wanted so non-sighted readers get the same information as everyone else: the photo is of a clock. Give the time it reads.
11:32:58
